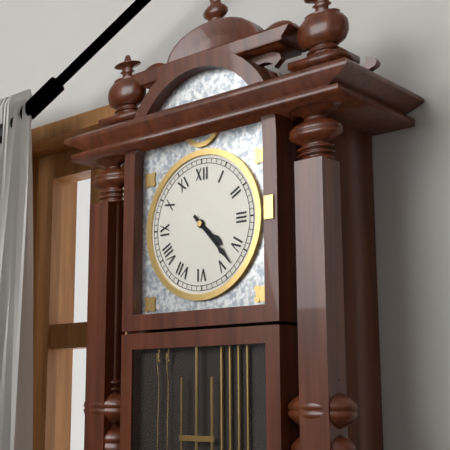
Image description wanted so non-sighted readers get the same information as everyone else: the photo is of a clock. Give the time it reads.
4:23
